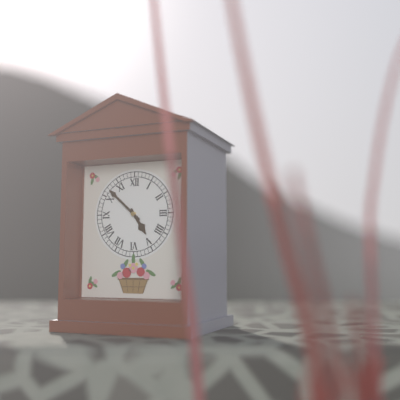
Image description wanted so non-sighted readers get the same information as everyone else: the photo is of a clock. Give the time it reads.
4:52
